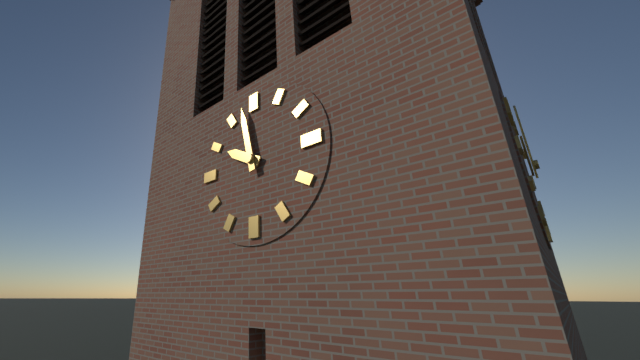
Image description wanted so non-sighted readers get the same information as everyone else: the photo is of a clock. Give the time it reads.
9:58
